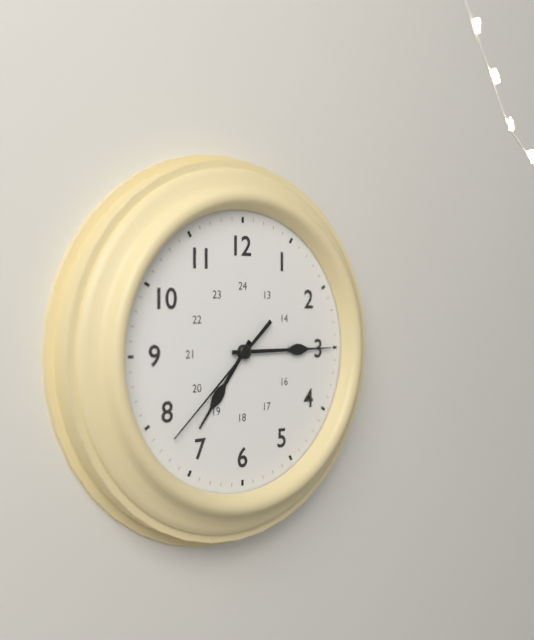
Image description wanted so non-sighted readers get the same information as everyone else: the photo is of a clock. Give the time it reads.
7:15:38
